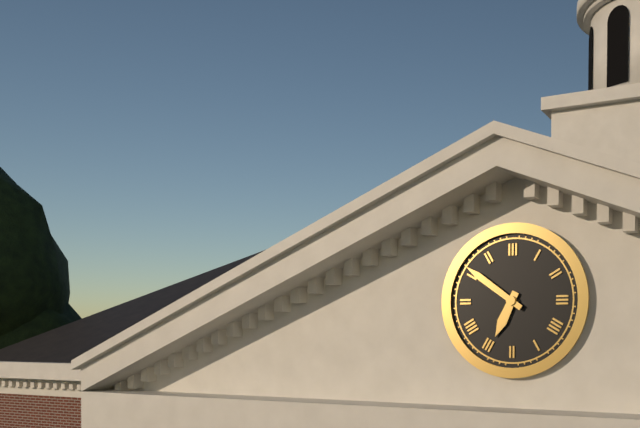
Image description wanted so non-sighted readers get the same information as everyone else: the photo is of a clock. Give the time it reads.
6:51
